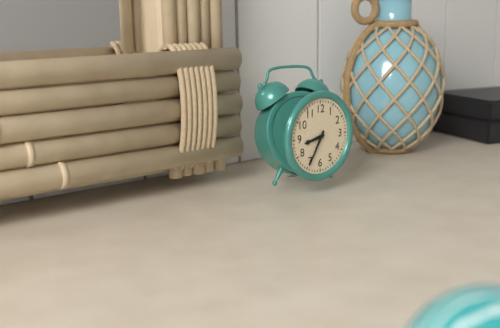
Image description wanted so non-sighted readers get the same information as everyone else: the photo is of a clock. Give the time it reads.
8:35
